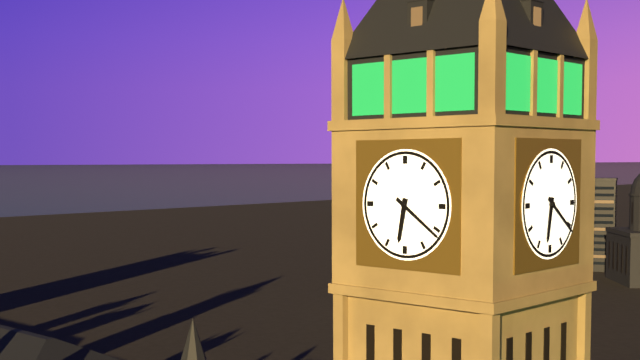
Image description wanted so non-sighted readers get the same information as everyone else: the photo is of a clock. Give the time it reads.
6:21
